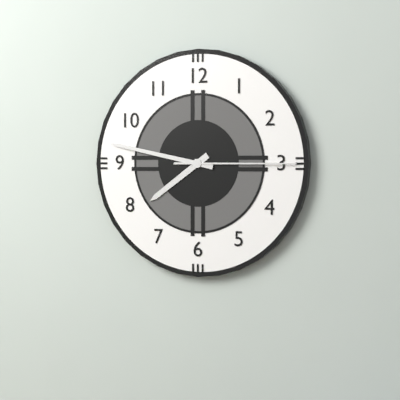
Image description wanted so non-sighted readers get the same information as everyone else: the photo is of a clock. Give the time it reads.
7:47:15
